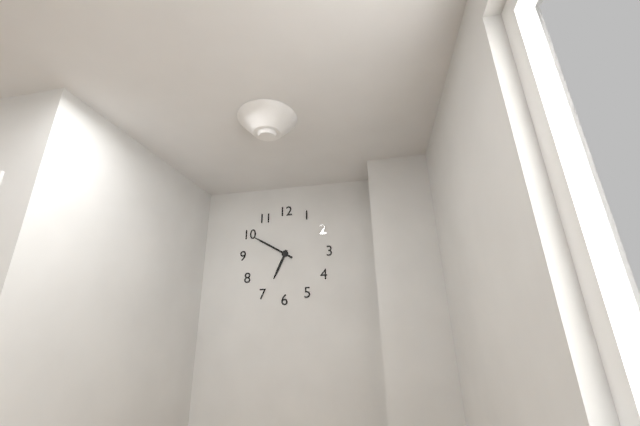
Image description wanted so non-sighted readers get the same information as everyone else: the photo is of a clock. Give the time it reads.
6:50
